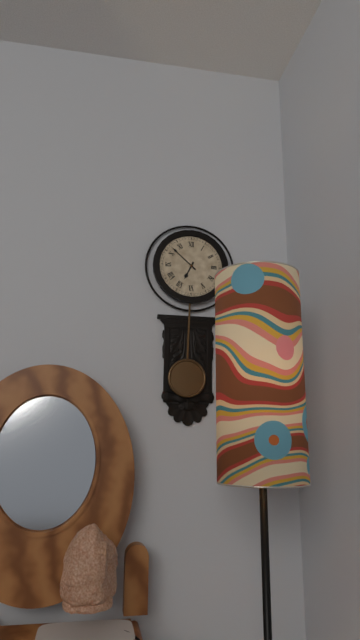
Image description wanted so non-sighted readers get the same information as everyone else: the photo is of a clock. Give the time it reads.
6:52
